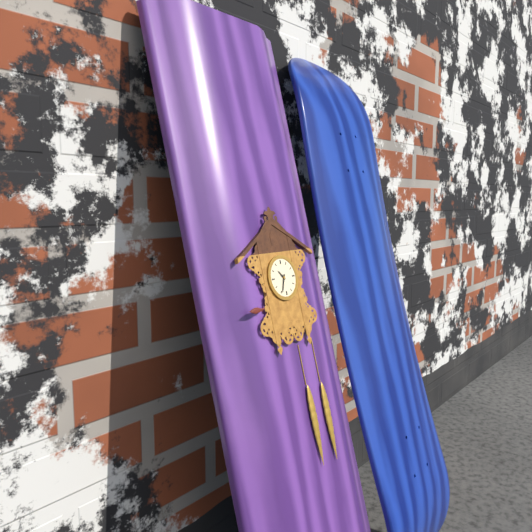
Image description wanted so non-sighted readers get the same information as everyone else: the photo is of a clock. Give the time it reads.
10:34
